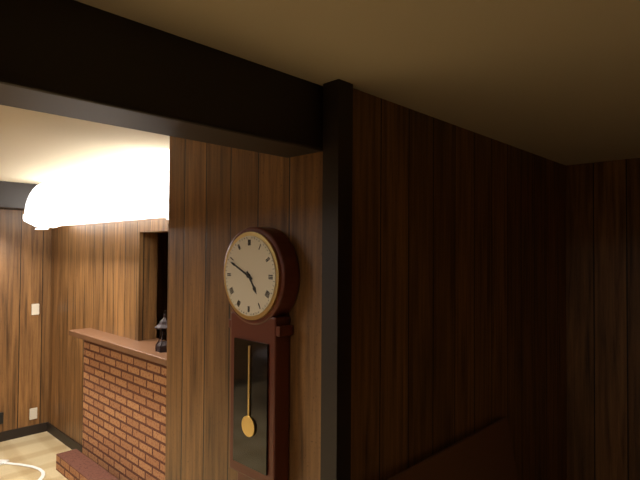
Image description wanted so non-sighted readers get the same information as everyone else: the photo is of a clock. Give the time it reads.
4:49
